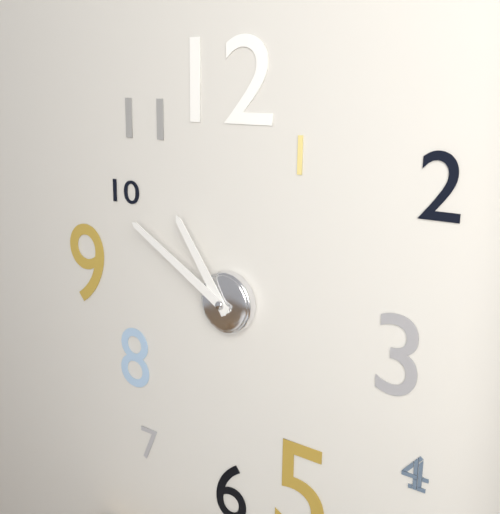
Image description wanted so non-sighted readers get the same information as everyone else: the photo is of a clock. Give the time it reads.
10:50
